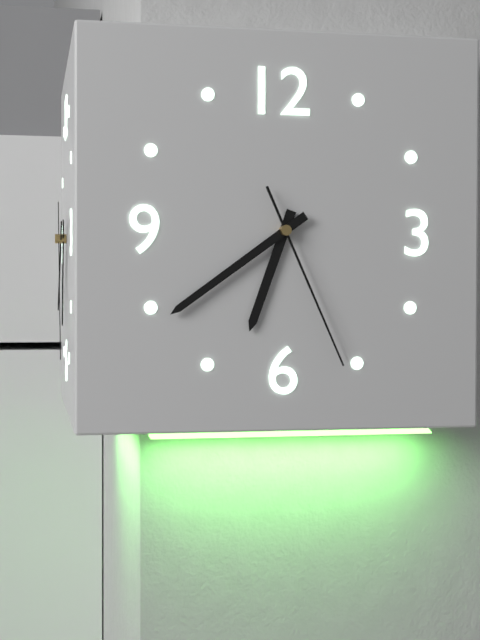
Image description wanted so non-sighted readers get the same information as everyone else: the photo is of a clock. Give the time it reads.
6:39:26
